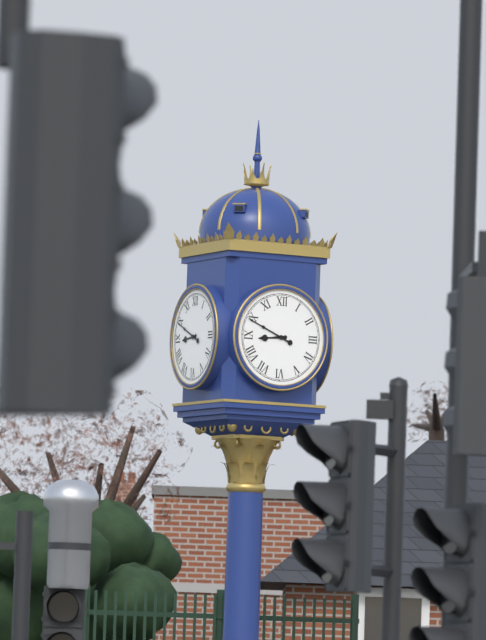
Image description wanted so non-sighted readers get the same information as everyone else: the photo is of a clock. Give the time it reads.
8:49
